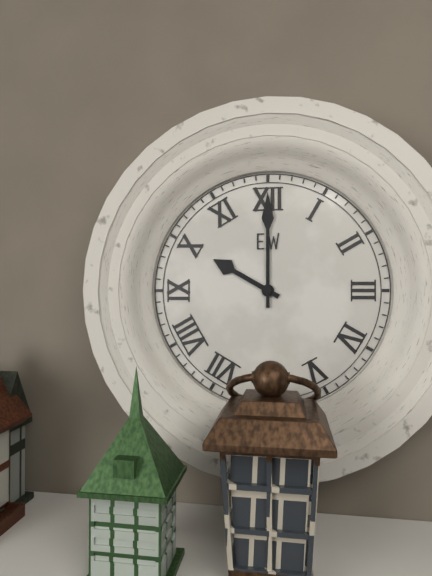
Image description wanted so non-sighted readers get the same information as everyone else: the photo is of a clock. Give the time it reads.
10:00
